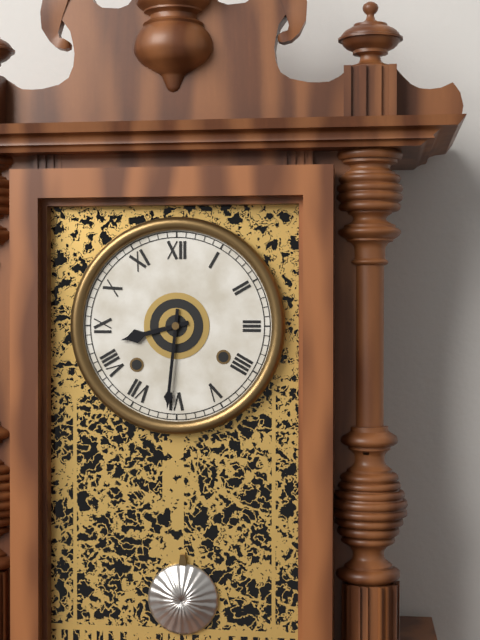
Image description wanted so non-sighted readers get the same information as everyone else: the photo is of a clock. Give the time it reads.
8:31
